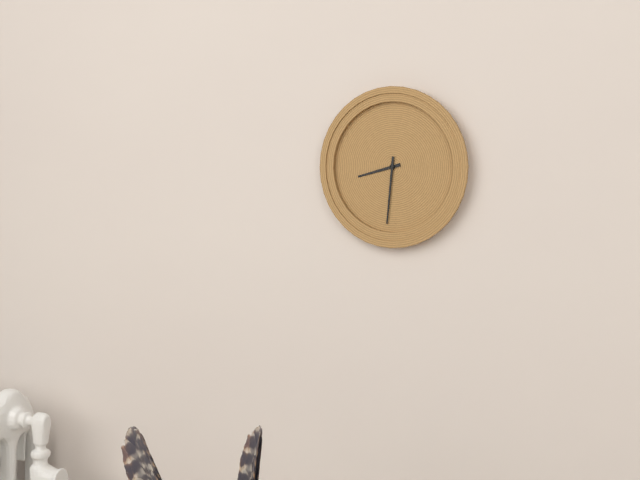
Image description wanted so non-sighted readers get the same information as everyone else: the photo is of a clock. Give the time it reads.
8:31
